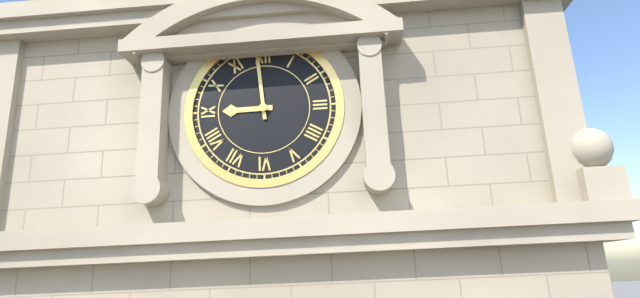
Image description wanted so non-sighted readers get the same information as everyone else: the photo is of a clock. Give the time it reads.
8:59
